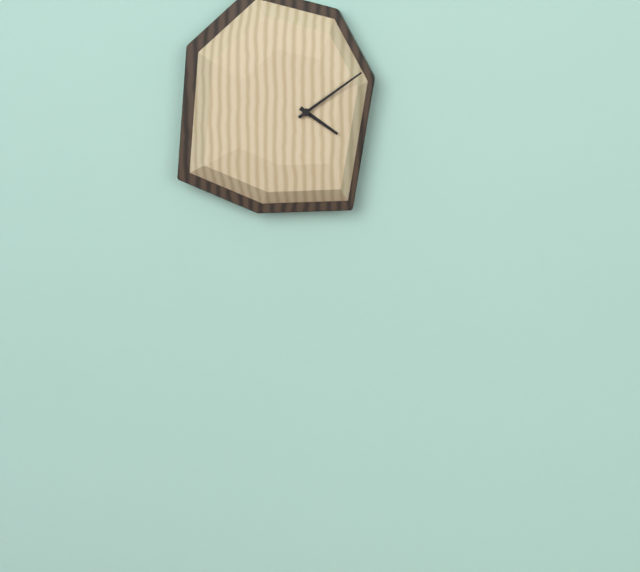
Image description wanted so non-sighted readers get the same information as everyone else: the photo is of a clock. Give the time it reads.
4:09
